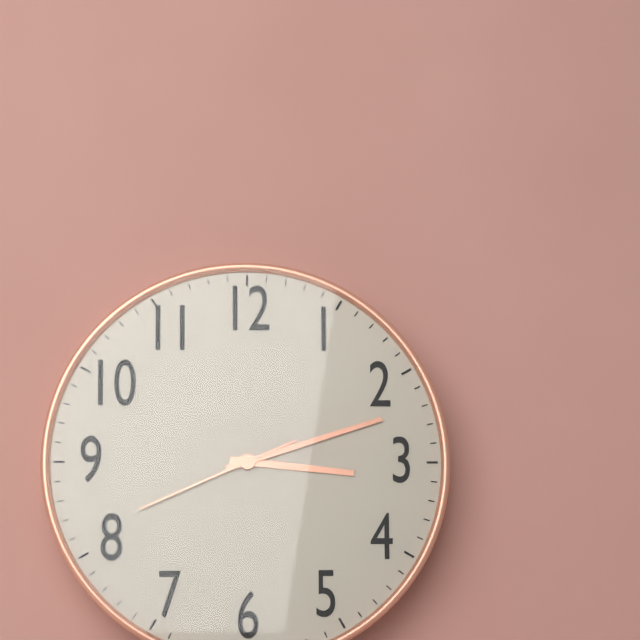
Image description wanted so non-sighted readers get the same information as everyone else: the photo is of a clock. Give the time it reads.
3:12:41
